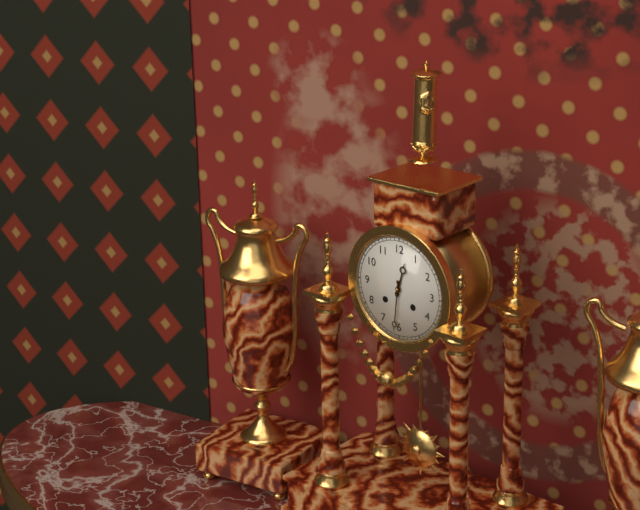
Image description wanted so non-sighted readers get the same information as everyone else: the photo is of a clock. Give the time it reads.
12:31
